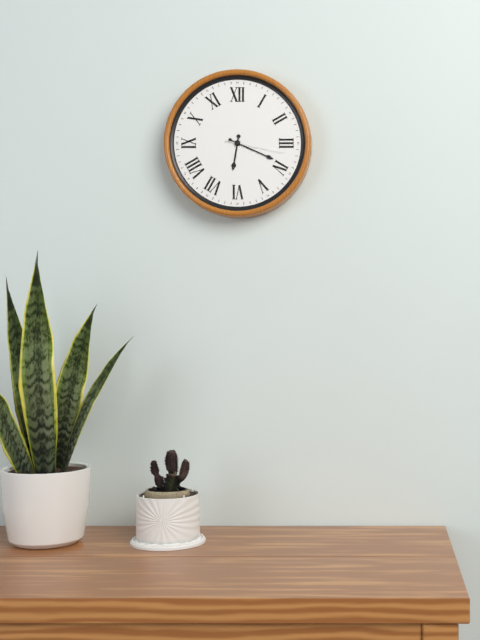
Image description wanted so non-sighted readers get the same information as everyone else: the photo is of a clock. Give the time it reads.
6:19:17
